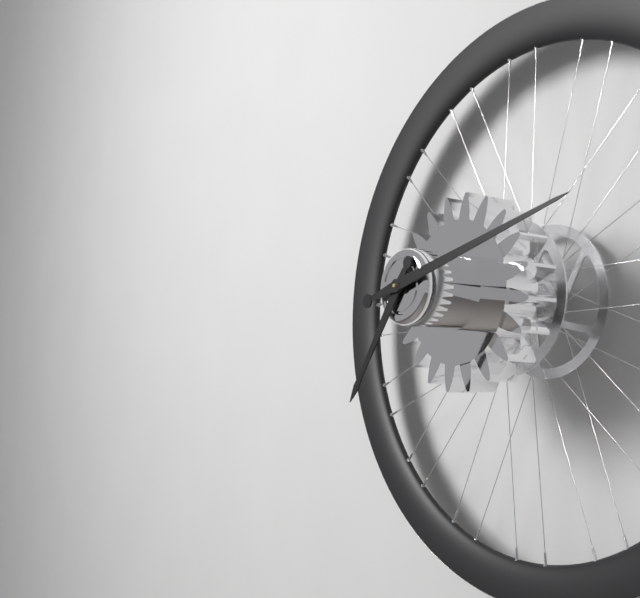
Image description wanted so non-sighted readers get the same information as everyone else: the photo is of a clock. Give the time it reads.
7:13
